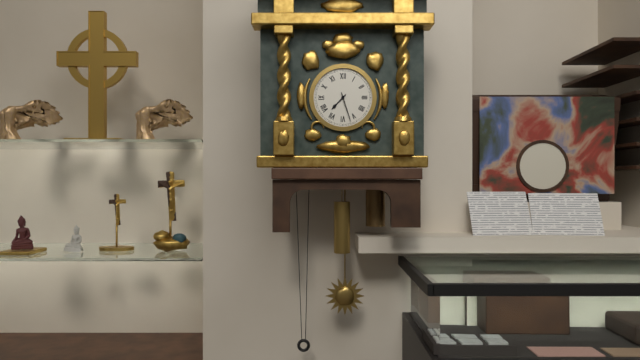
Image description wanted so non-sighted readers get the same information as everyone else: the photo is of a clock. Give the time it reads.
7:27
